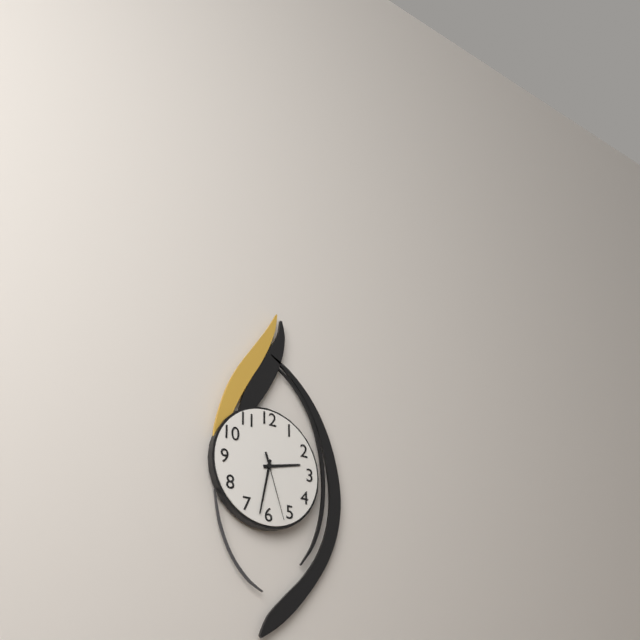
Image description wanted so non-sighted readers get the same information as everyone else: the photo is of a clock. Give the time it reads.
2:32:27
